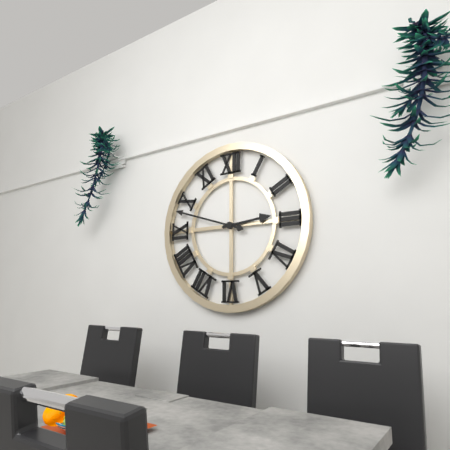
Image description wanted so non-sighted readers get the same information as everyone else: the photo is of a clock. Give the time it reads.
2:48
